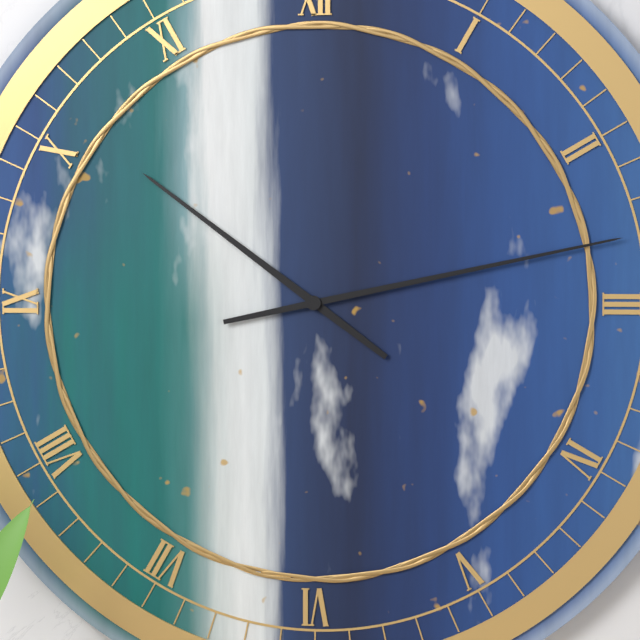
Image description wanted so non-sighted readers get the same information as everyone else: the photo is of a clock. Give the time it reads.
10:13
